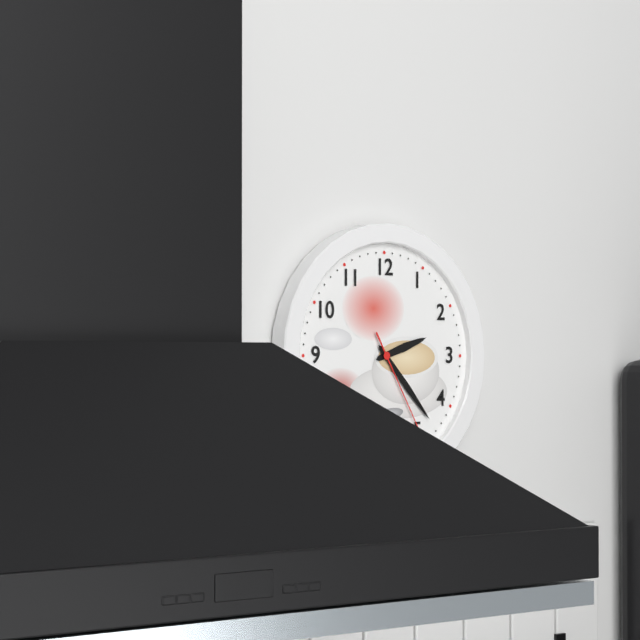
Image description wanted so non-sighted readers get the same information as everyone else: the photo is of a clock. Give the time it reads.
2:23:25
